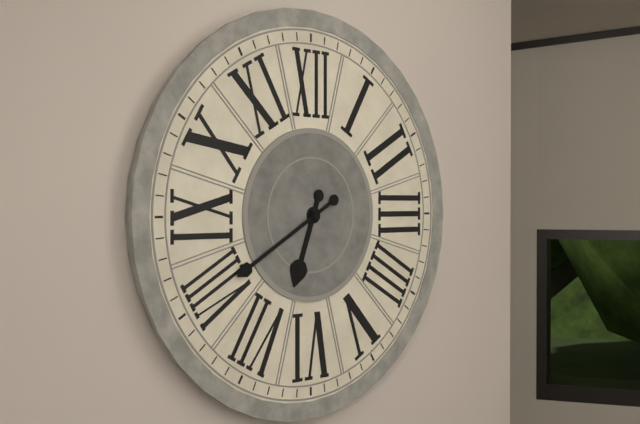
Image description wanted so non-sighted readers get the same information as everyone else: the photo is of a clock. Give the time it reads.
6:40
